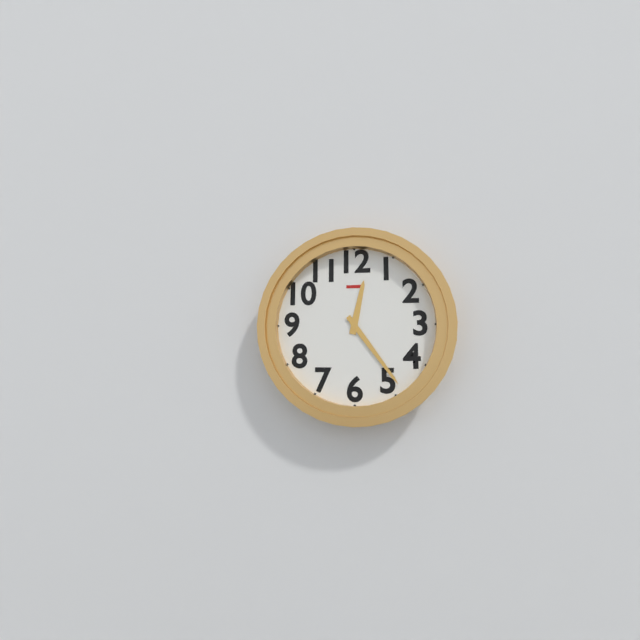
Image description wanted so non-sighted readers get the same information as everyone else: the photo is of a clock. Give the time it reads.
12:24
